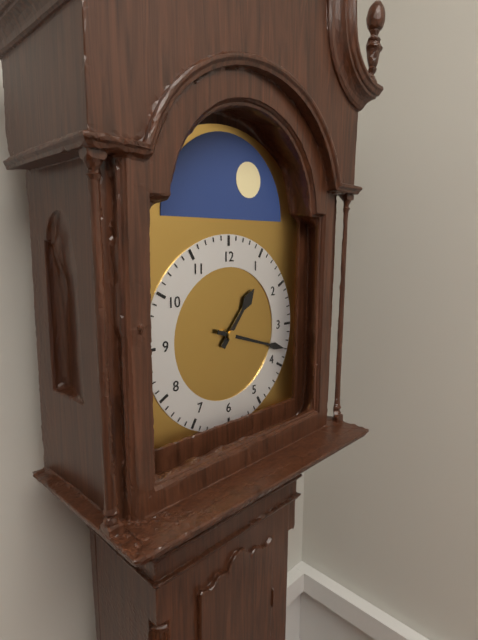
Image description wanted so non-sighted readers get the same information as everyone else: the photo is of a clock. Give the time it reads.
1:18
